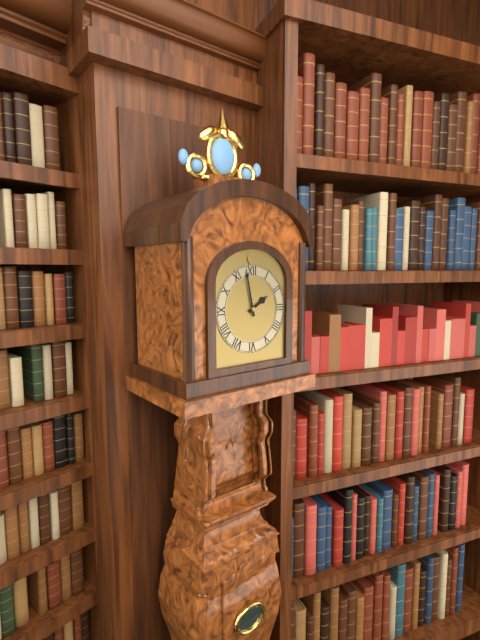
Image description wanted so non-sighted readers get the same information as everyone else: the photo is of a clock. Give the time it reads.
1:58
